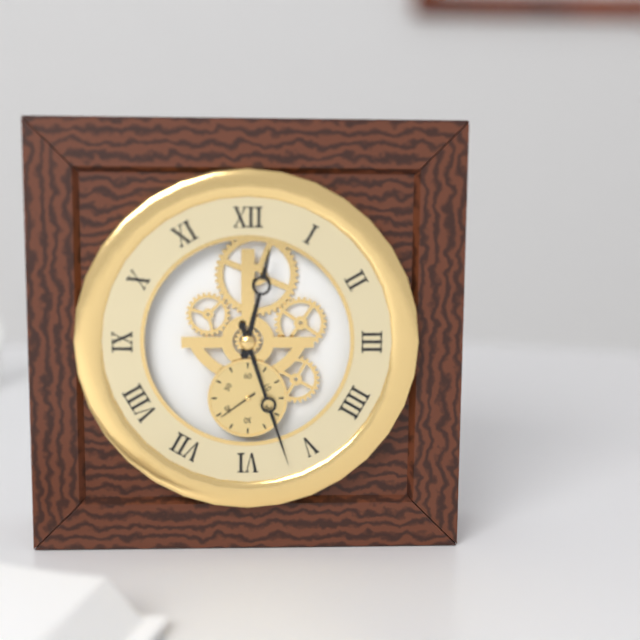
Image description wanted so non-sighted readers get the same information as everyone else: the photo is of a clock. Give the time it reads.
12:27:39
